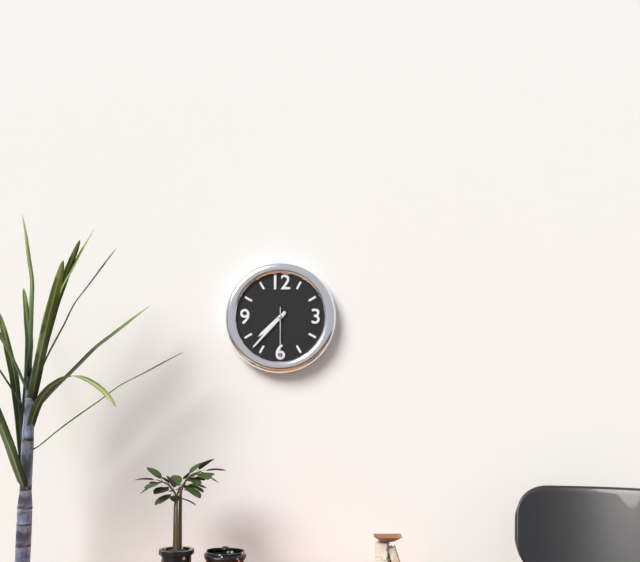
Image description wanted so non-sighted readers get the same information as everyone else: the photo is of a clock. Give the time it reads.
7:37
